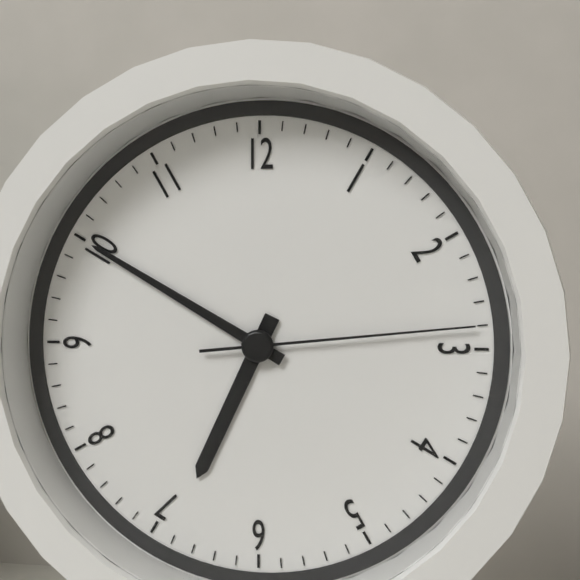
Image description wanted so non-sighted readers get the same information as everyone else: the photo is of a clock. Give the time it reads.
6:50:14
